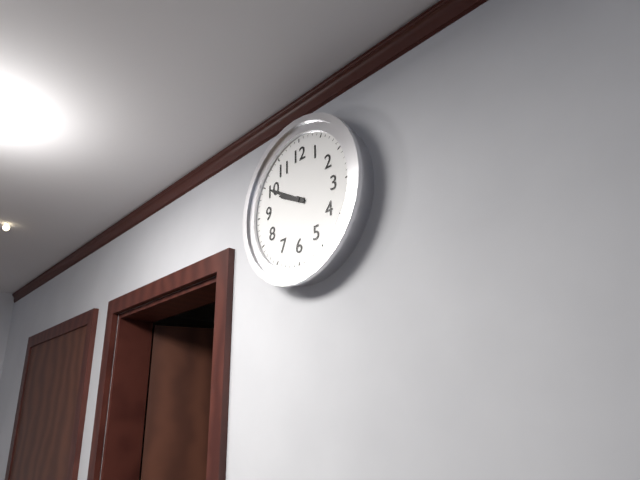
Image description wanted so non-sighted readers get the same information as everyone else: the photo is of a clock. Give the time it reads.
9:50
